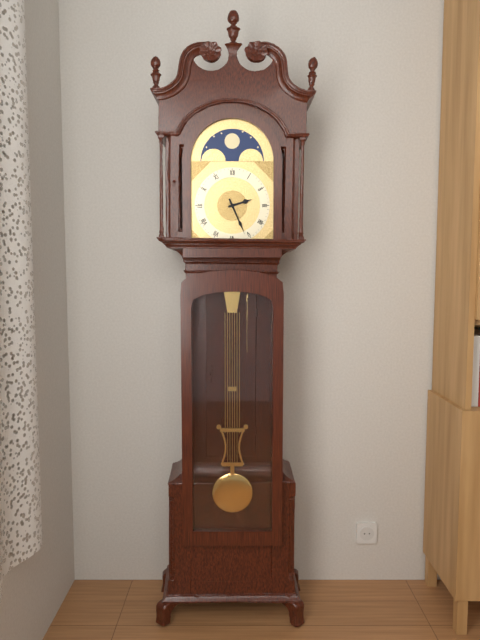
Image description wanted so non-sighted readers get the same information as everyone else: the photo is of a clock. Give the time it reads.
2:26
